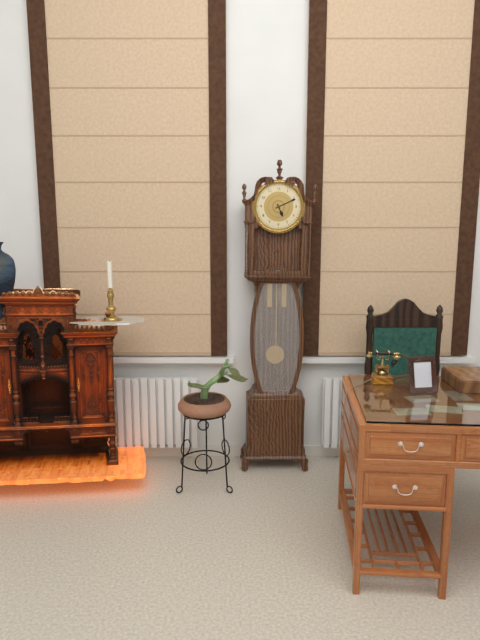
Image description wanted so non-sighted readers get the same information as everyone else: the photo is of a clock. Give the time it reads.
5:11
